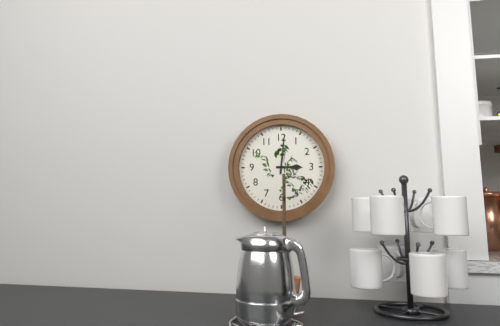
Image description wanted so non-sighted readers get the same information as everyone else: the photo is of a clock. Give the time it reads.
3:01
